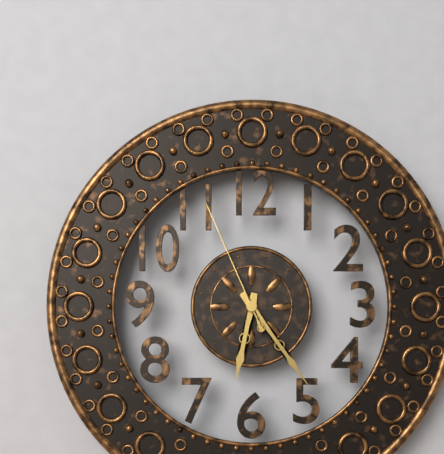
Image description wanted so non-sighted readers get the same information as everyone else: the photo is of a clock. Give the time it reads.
6:24:56
